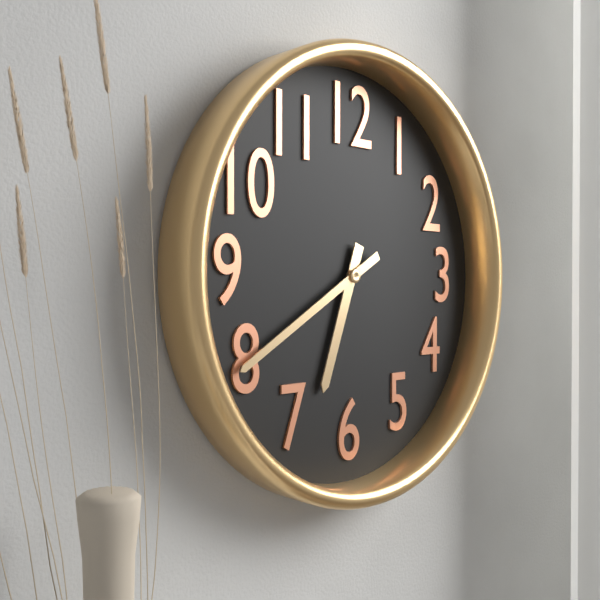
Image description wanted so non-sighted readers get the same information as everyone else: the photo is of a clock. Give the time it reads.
6:40
